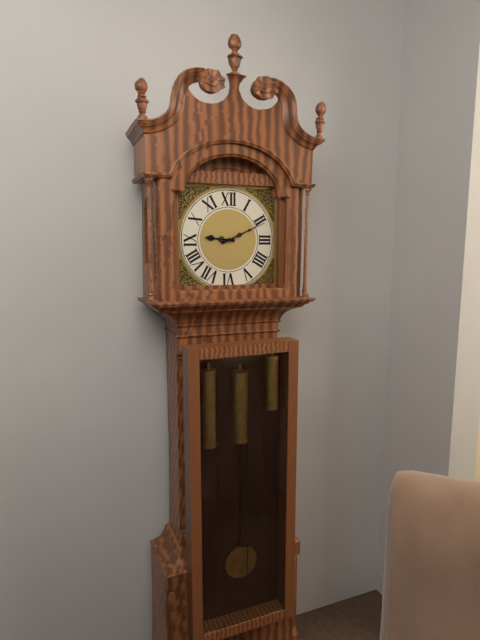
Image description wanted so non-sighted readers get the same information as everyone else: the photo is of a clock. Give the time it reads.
9:11
